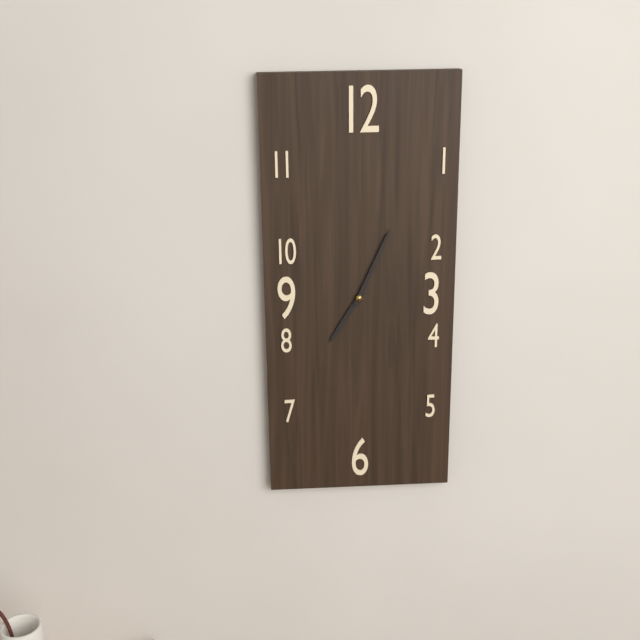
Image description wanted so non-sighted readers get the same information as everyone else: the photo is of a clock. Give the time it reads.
7:04
